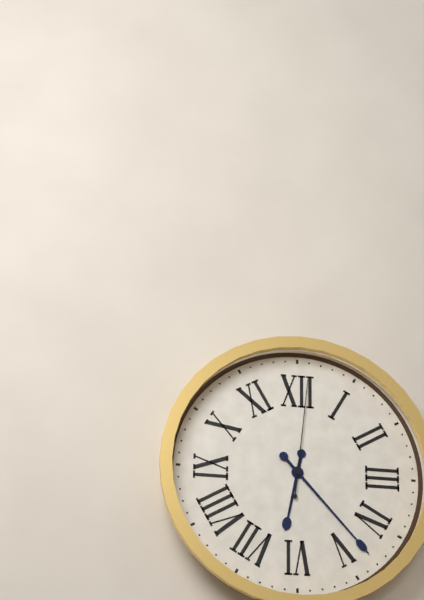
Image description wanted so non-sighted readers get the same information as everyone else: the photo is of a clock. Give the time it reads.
6:23:01
